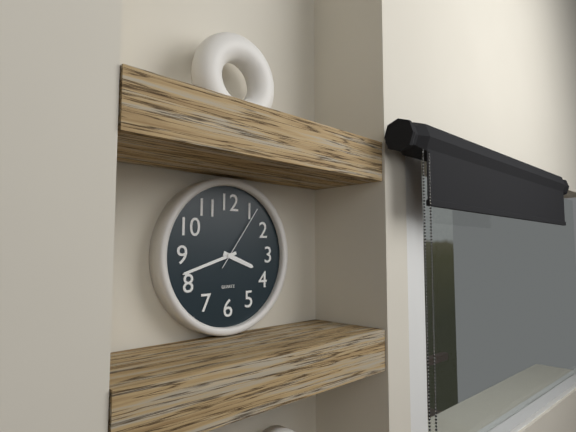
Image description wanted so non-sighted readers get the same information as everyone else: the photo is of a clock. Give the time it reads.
3:42:06
